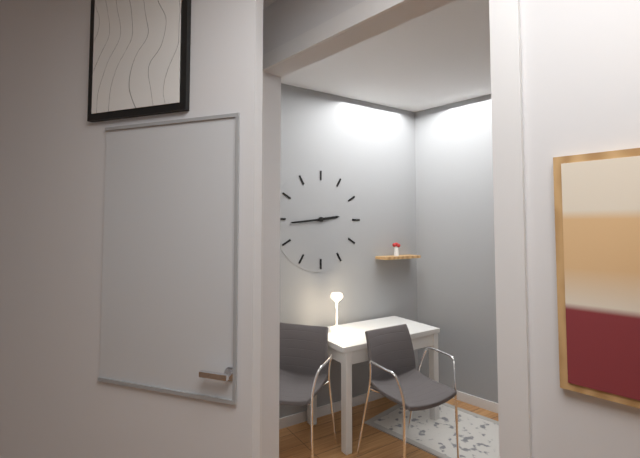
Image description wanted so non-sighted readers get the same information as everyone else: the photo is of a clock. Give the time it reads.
2:44
